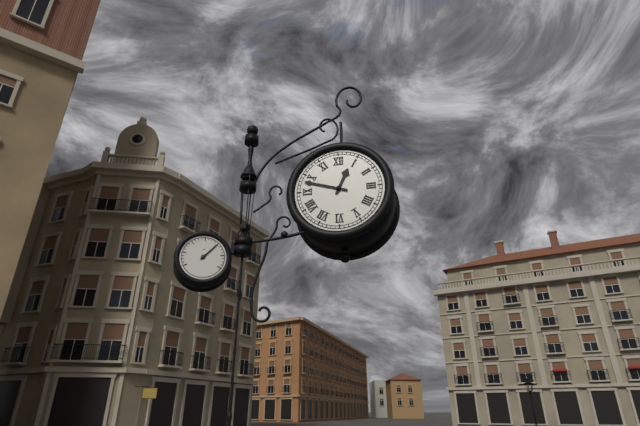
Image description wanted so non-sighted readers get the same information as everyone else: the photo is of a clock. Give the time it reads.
12:48
